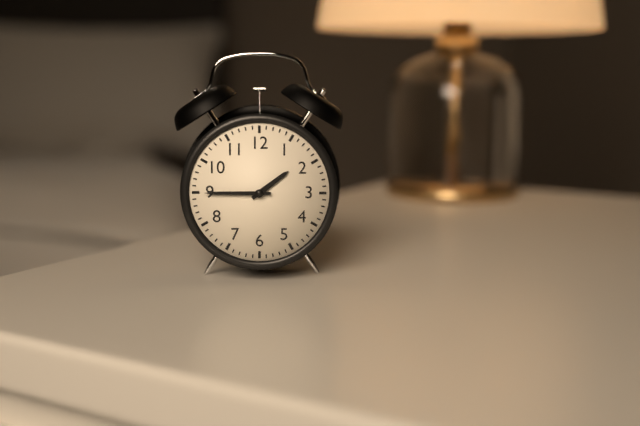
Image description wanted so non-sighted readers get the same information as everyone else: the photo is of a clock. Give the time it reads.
1:45
